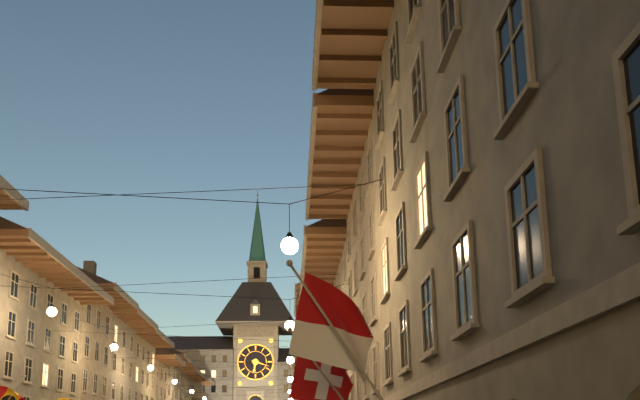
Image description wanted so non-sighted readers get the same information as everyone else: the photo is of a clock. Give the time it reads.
6:18
